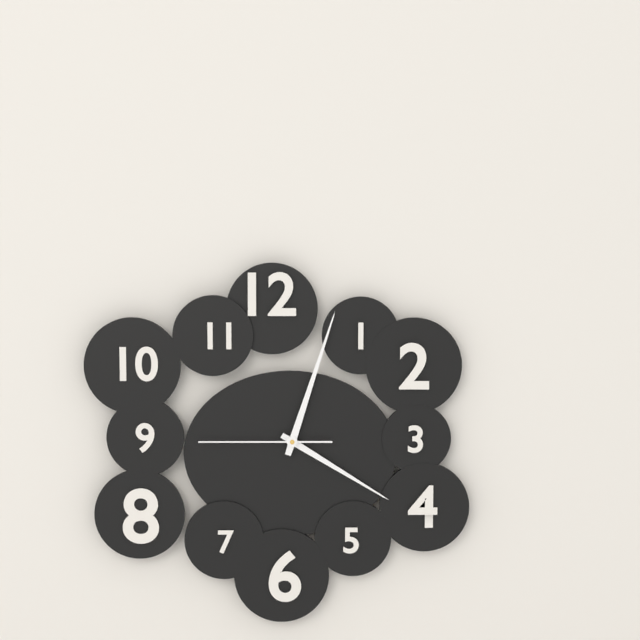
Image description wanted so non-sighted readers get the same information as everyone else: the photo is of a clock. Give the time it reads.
4:03:45
